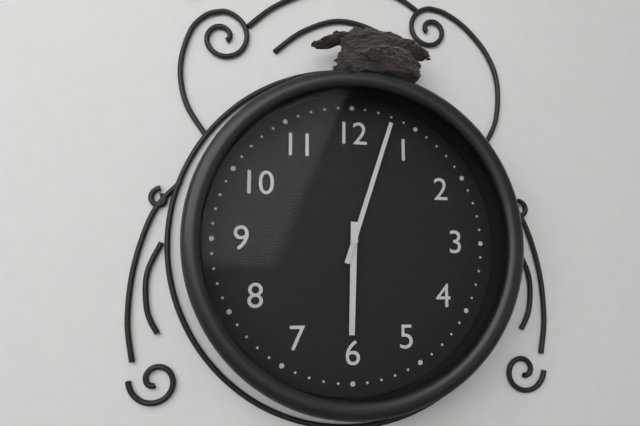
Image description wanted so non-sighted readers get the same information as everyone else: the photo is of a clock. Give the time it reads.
6:03
